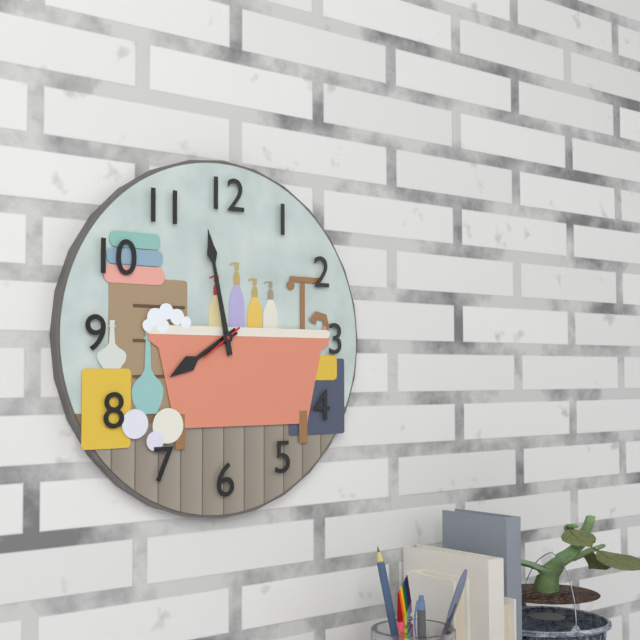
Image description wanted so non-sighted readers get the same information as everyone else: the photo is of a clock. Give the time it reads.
7:58
